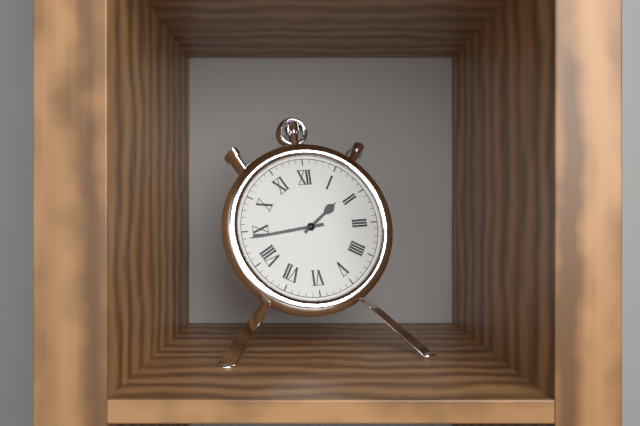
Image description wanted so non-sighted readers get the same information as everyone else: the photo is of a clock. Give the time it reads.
1:44
